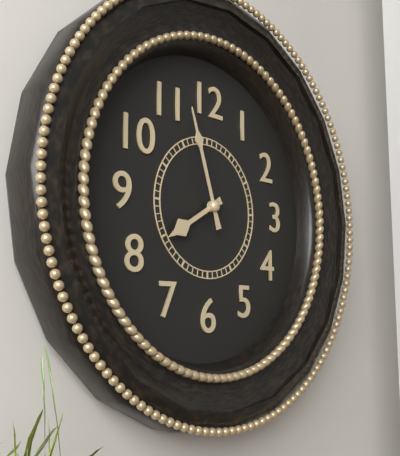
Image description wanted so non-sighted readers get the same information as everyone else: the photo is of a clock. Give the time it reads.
7:57
